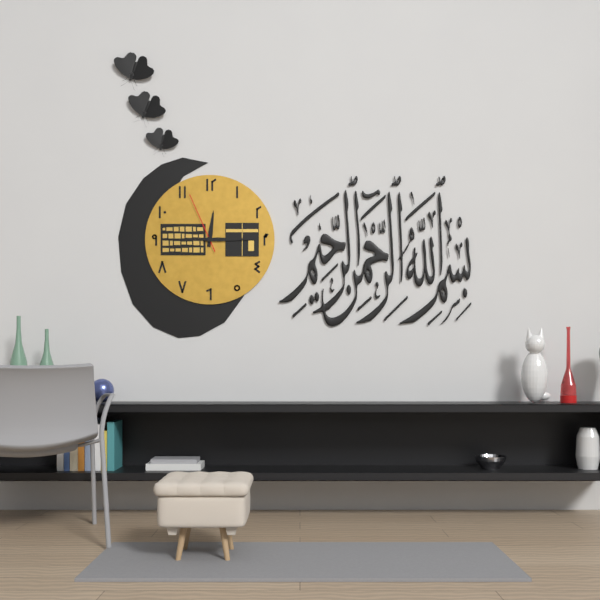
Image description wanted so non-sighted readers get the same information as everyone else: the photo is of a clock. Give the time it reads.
12:15:56
